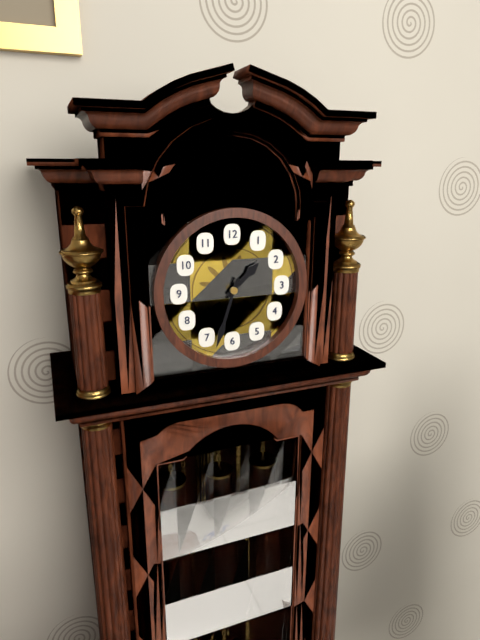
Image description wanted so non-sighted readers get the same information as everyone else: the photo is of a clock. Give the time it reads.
1:33
